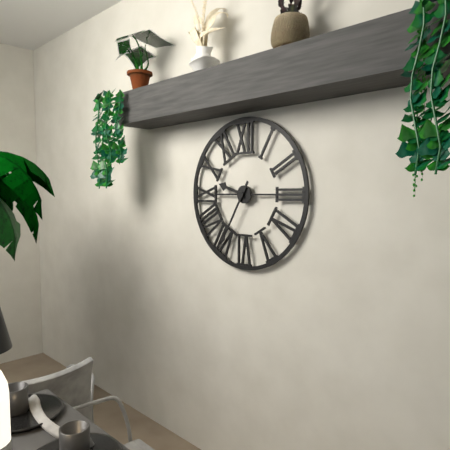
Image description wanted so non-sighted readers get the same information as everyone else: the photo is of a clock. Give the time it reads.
9:35
